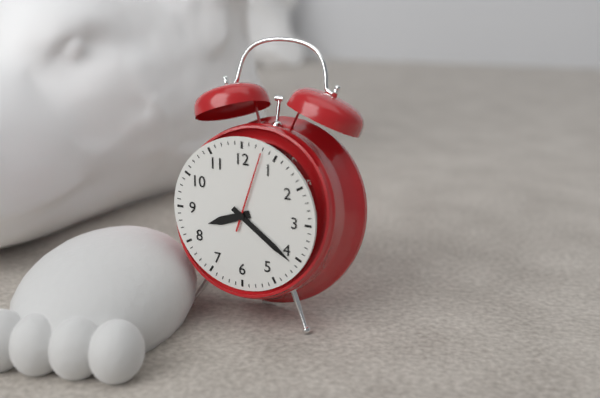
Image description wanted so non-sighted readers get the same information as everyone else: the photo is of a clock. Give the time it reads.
8:21:03
